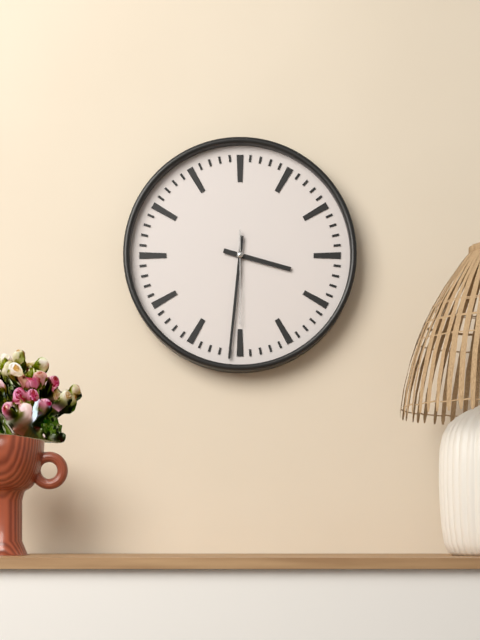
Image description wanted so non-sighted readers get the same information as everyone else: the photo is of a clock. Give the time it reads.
3:31:30
